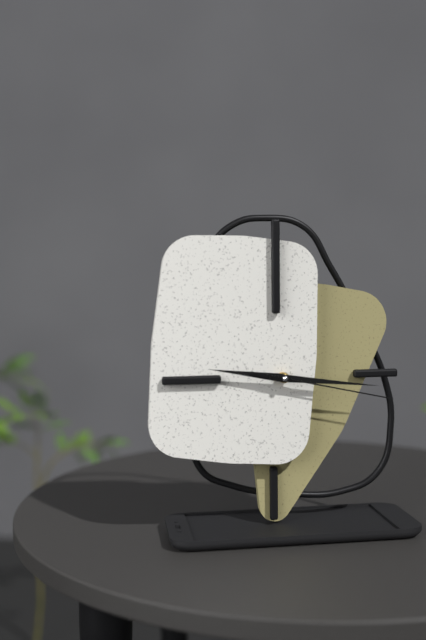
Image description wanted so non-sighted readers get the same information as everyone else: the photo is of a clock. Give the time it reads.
9:16:17
